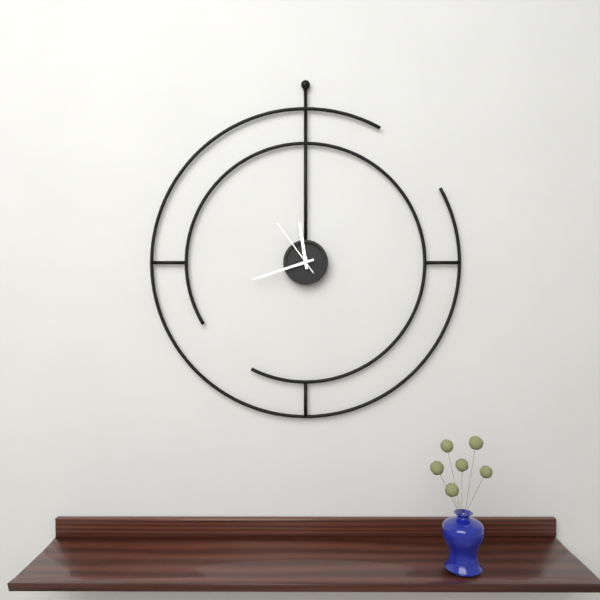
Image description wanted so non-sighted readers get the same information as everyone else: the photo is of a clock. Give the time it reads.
11:42:54
